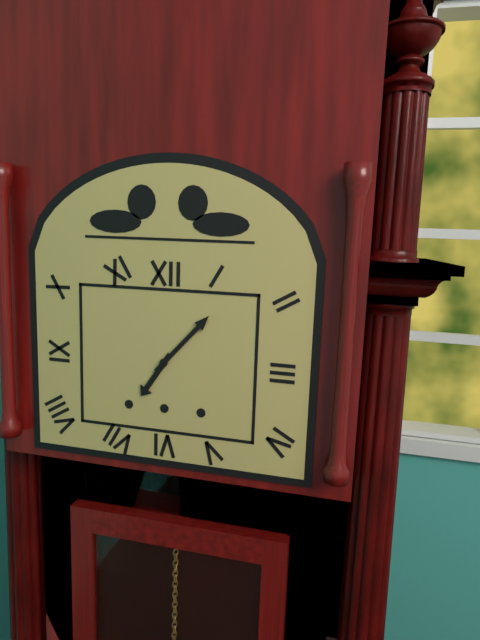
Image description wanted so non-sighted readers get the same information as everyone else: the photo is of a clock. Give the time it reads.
7:07
